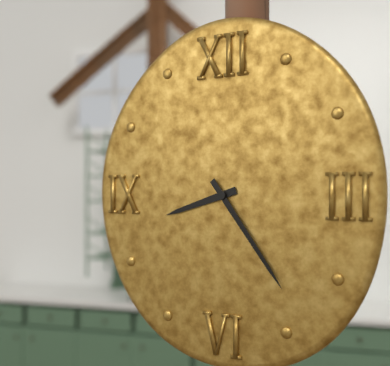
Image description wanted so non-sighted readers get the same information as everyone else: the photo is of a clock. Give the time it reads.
8:24
